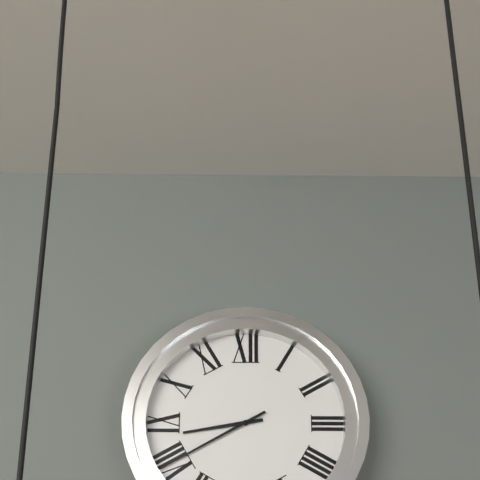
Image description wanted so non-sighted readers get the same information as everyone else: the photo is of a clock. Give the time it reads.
8:40
